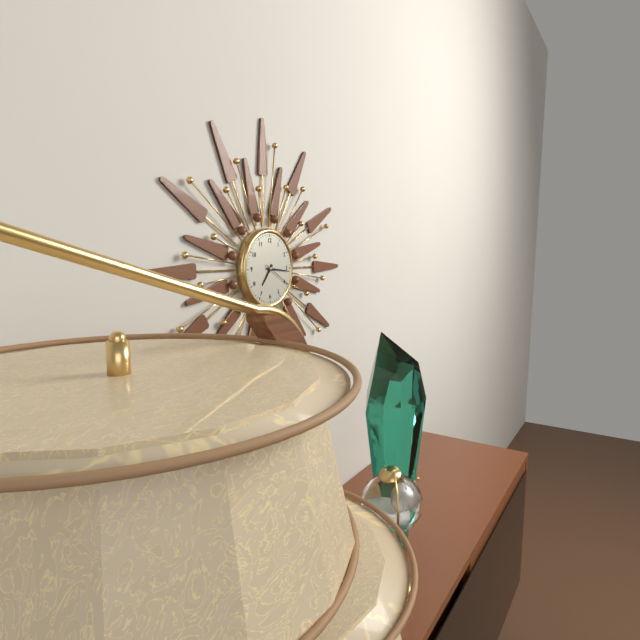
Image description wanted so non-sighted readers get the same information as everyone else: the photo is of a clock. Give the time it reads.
7:16
